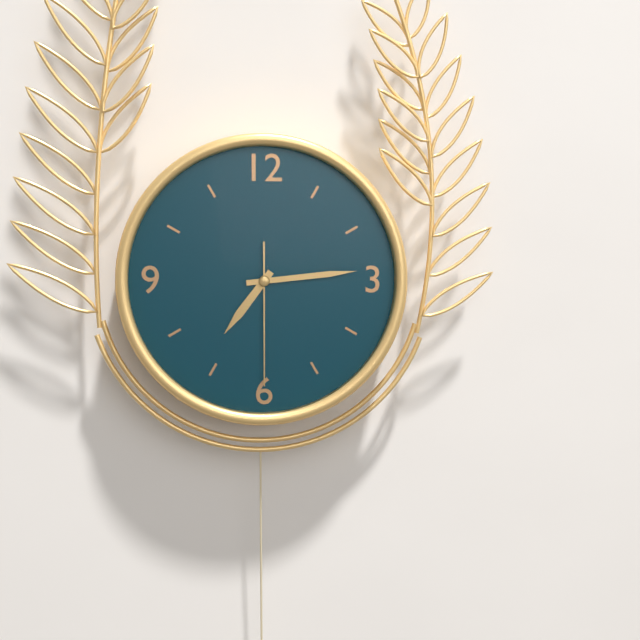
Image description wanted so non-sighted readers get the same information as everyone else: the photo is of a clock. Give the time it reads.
7:14:30
